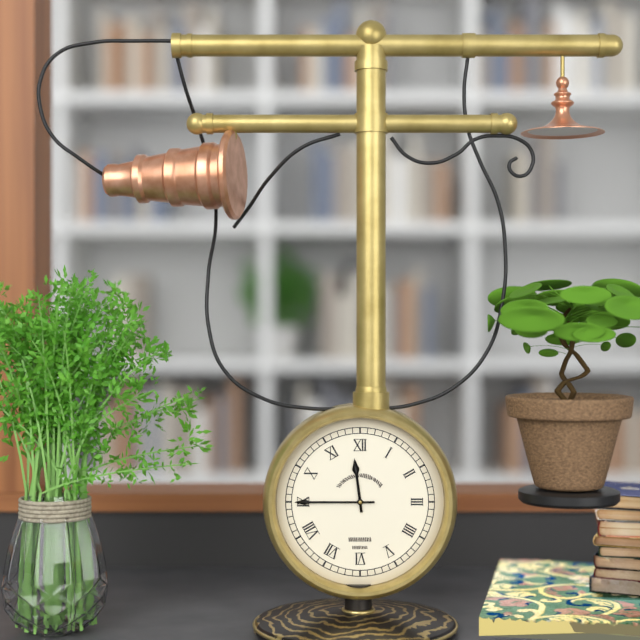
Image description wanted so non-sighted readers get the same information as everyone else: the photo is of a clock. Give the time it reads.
11:45
